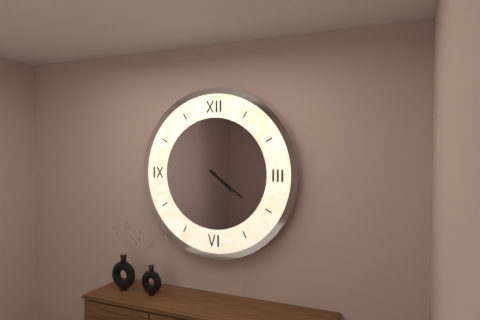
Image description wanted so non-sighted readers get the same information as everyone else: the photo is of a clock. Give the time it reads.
4:21
